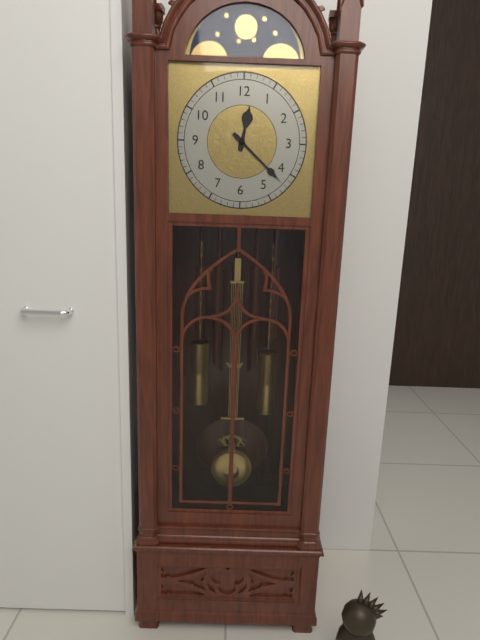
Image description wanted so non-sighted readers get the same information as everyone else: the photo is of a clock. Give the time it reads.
12:22
